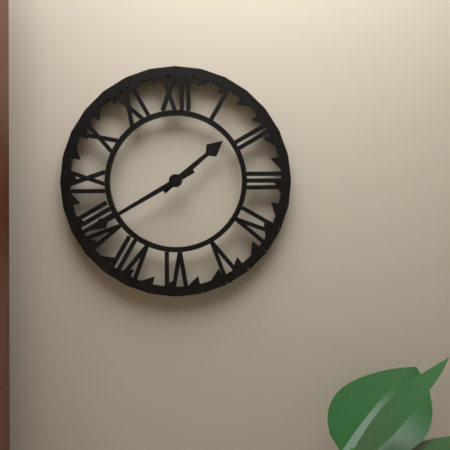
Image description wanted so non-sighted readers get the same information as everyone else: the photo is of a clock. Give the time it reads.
1:40
